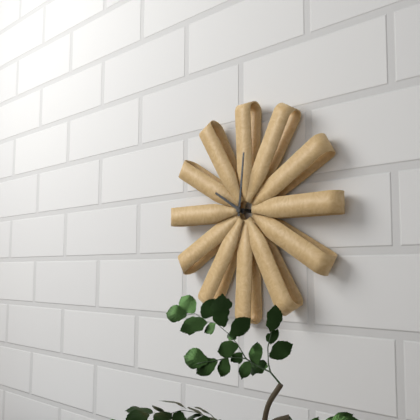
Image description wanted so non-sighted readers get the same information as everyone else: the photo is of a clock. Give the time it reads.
10:01
